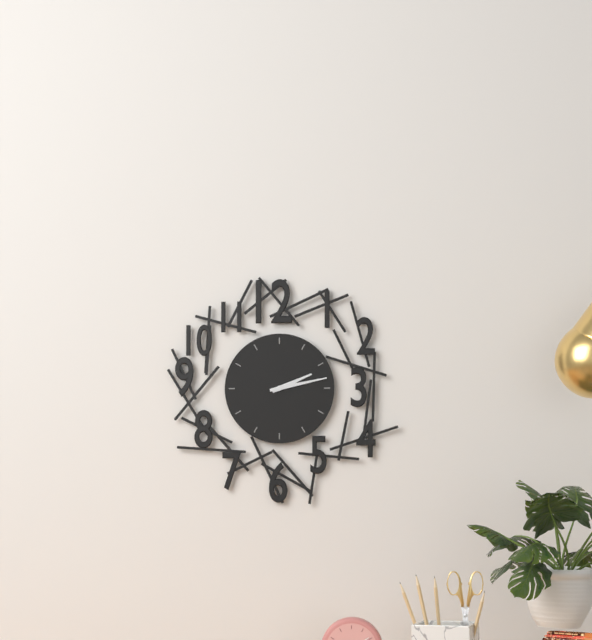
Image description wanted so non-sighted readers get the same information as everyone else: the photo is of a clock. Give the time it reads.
2:13
